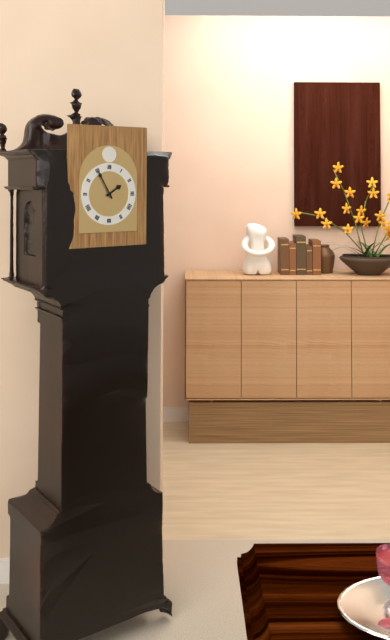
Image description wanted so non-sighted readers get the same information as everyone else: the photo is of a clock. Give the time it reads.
1:55
